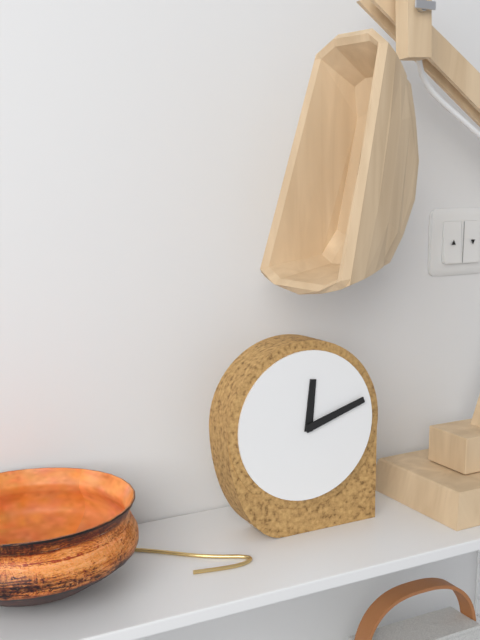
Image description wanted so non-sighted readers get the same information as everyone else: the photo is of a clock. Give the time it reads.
12:12
